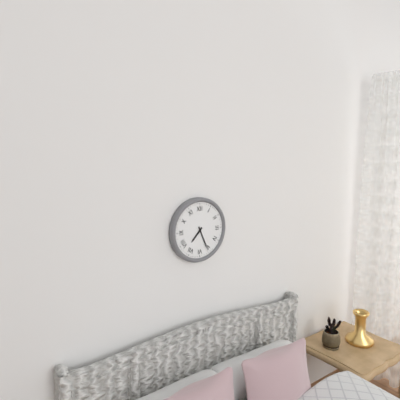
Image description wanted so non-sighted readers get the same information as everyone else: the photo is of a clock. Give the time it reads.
7:26
